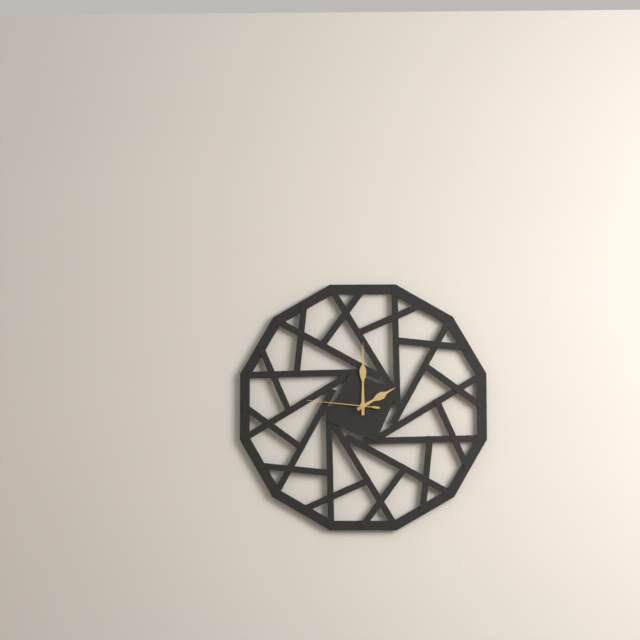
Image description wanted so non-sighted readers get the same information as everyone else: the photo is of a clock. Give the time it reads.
2:00:46
